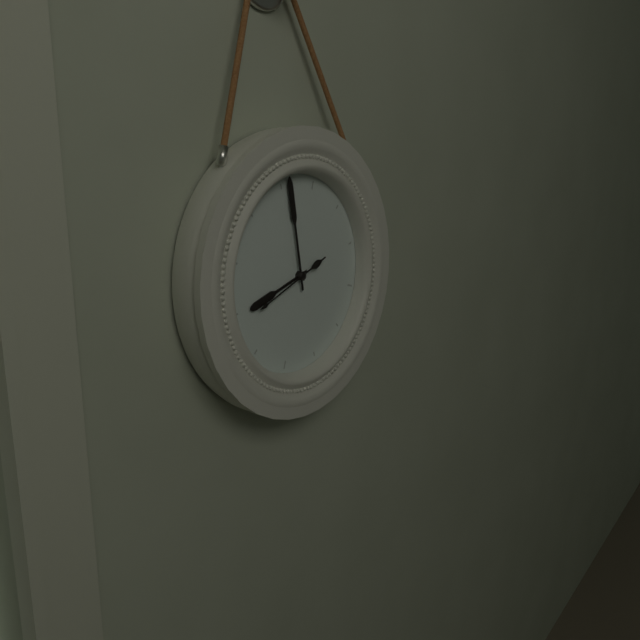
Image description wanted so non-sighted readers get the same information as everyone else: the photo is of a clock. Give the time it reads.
7:56:39
